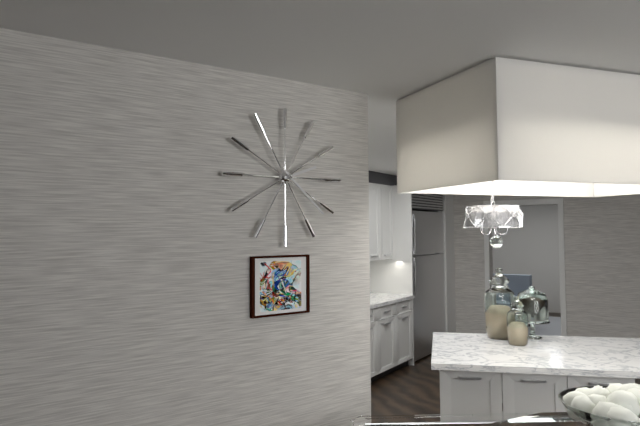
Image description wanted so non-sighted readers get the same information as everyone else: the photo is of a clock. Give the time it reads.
2:22
